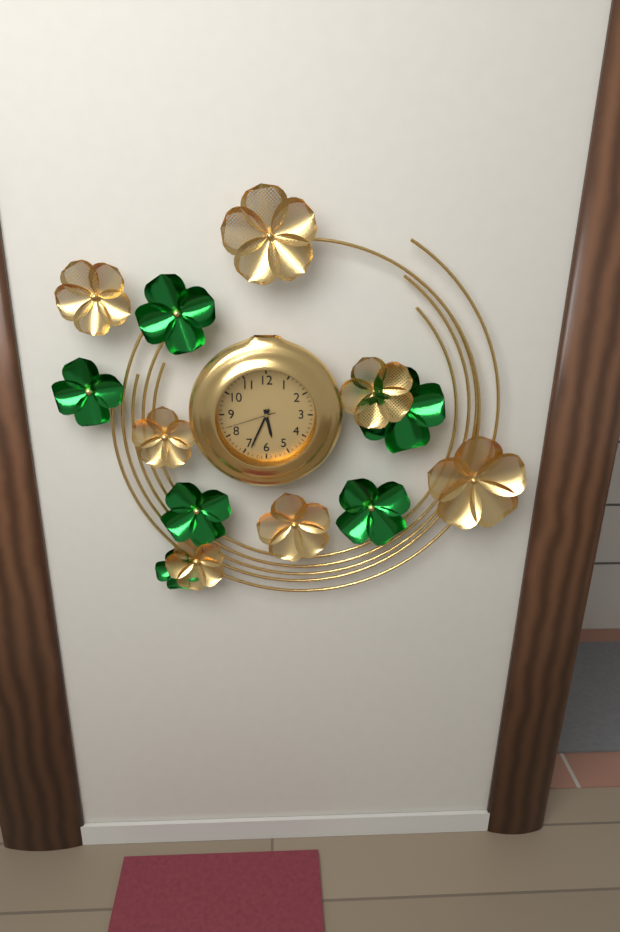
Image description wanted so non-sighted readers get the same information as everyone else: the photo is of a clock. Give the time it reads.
5:34:42
